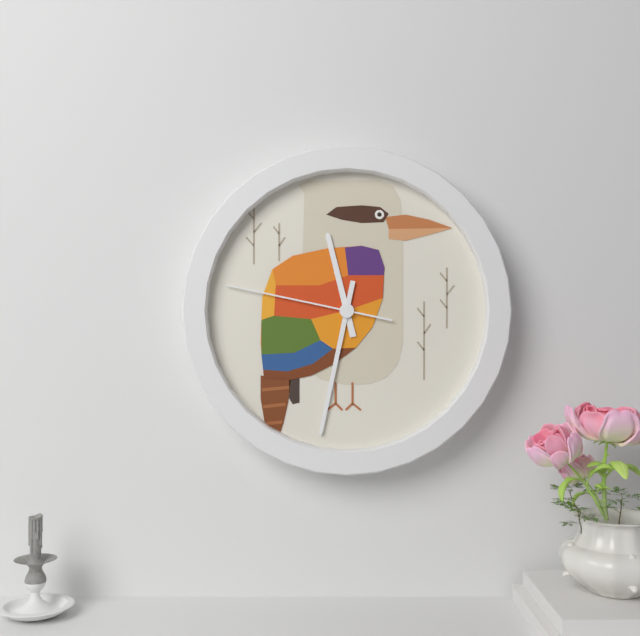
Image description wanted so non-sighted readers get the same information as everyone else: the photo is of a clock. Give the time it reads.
11:32:47
